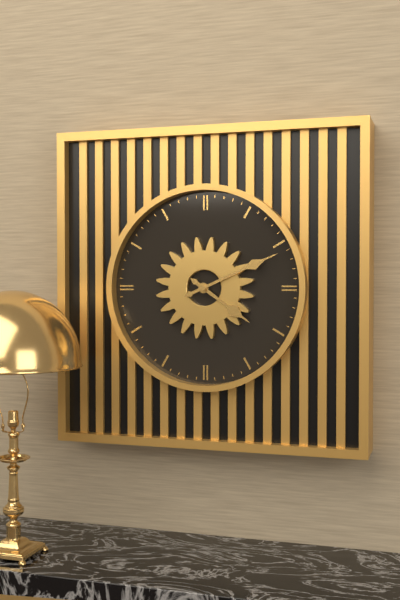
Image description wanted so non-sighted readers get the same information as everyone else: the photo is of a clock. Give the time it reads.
4:11
